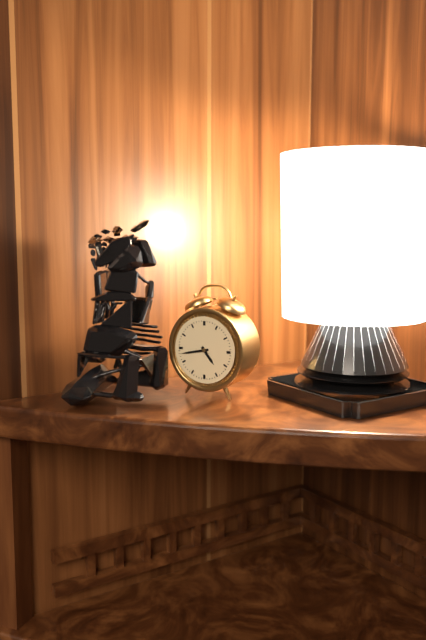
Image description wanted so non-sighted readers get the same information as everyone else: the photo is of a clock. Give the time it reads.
4:43
